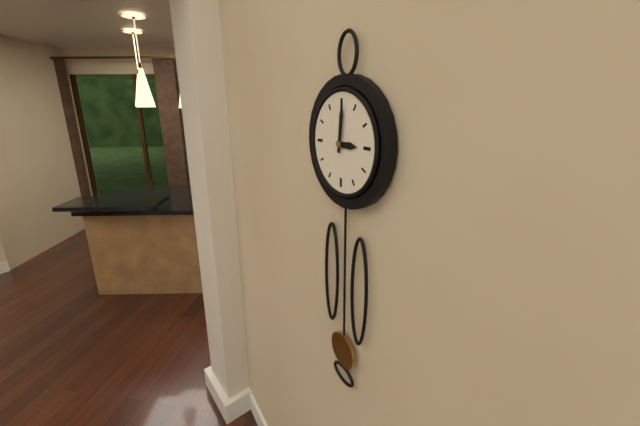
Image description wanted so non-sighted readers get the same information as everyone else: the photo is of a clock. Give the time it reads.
3:01
